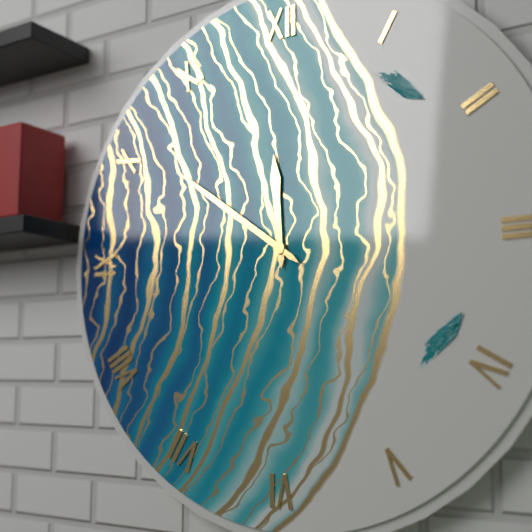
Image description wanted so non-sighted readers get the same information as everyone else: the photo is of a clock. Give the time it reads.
11:51
